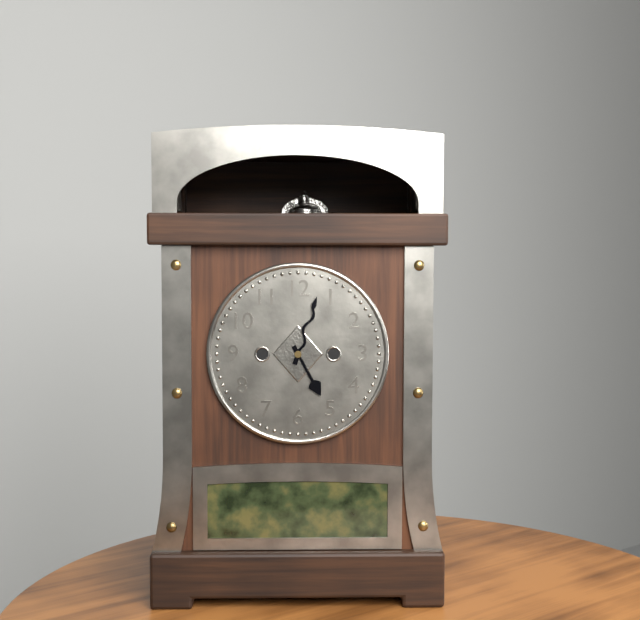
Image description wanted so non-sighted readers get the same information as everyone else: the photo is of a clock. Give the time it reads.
5:03
